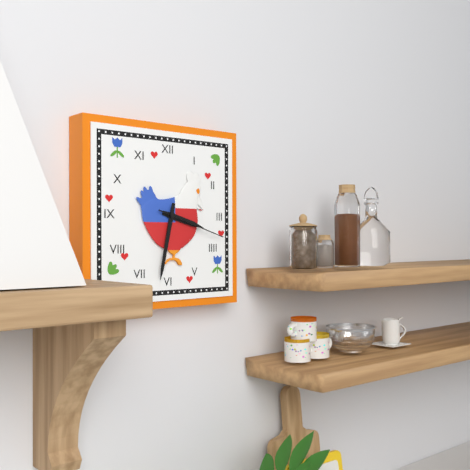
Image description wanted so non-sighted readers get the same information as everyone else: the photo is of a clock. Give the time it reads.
3:32:18
